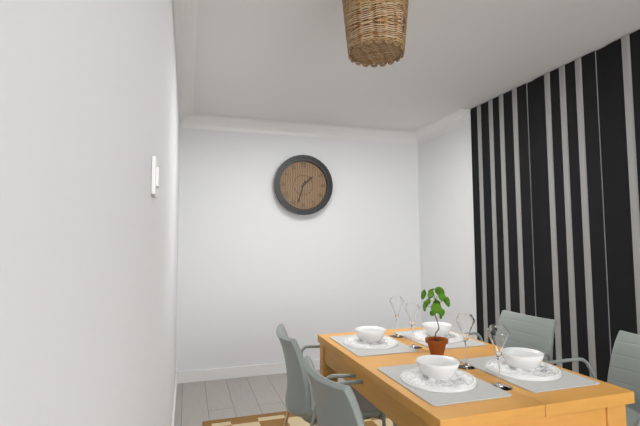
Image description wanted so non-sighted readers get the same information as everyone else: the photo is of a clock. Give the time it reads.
1:33
